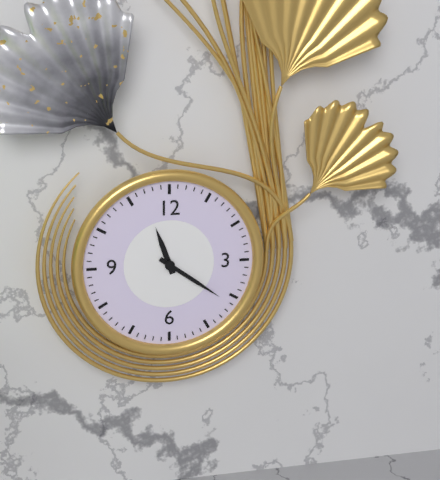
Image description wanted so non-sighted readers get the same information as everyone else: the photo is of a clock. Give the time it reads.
11:21
